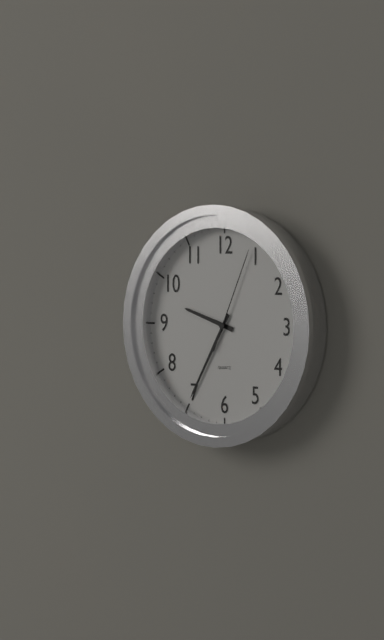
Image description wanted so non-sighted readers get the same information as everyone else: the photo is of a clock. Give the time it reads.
9:35:04
